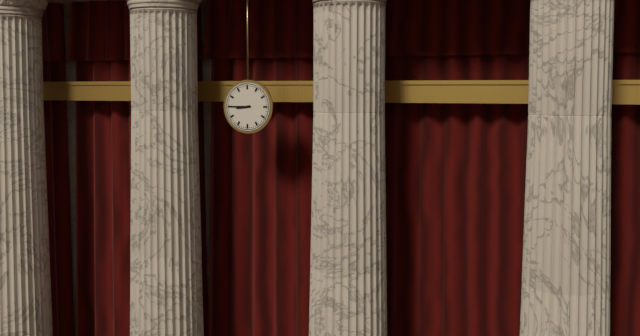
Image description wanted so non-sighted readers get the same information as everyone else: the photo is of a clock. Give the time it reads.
8:45
